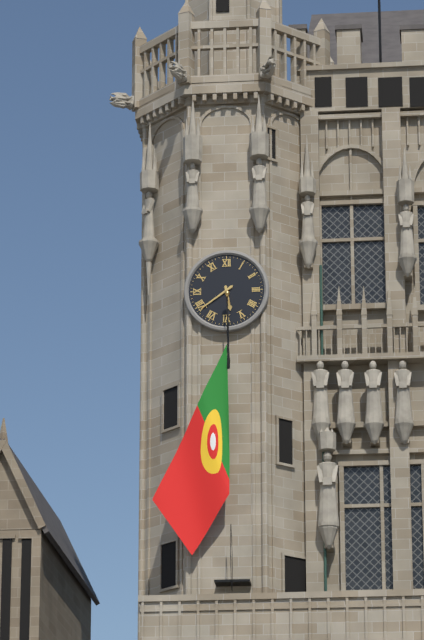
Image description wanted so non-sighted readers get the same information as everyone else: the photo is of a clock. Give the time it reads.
5:39
